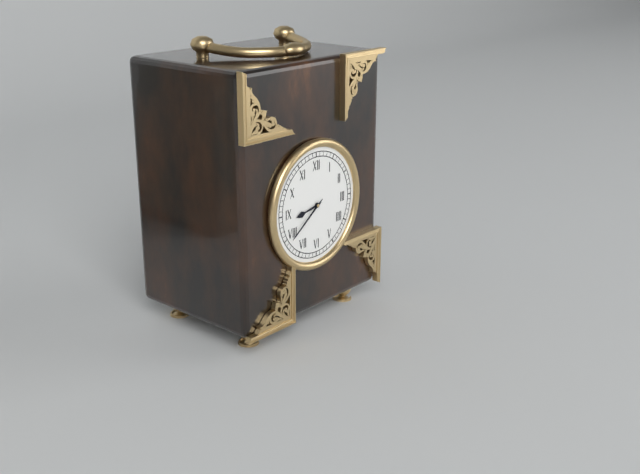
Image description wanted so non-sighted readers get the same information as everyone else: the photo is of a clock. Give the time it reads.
8:39
